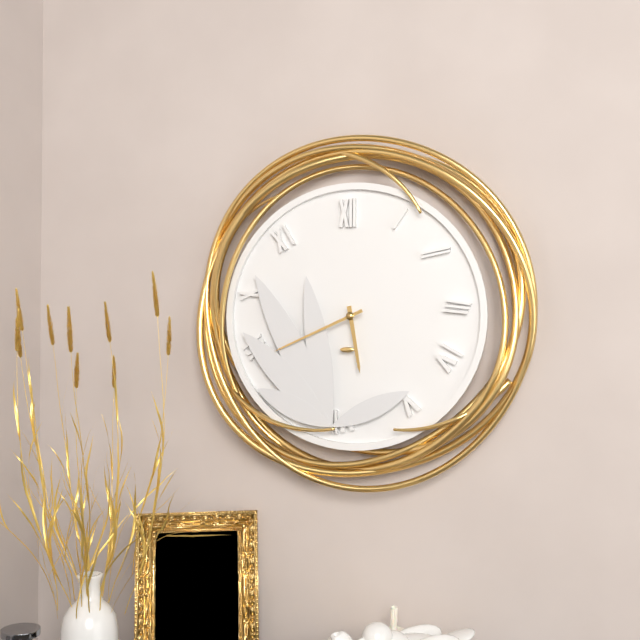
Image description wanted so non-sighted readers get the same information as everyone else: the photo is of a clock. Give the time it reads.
5:41
